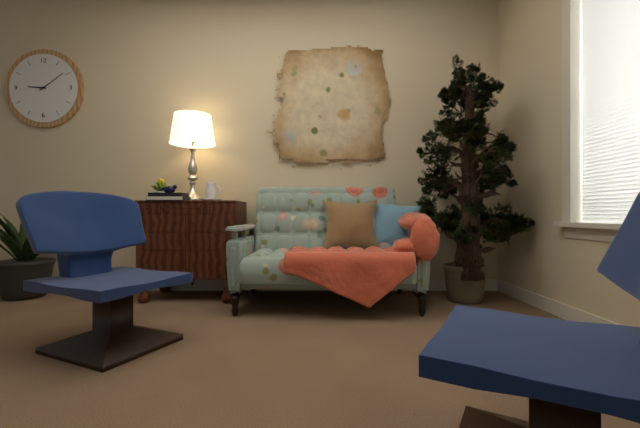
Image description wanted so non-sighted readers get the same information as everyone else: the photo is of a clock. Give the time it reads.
9:09
